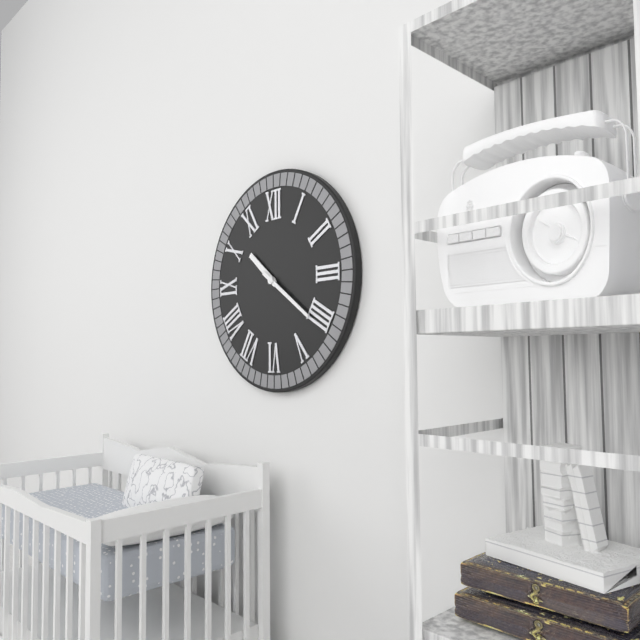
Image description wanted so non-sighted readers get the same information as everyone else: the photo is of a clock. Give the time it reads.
10:21
